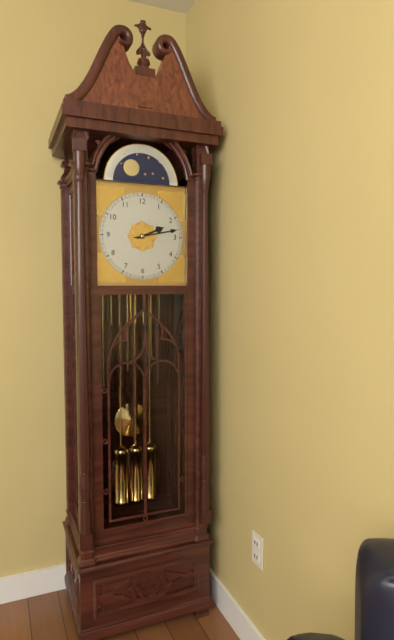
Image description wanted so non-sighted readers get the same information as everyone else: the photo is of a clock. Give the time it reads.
2:13
